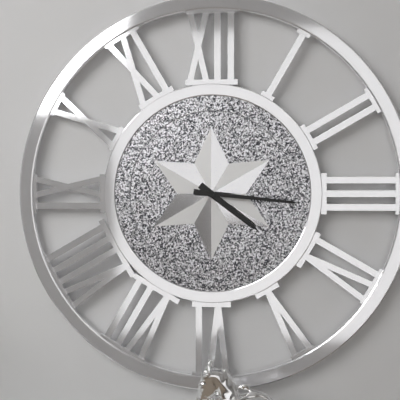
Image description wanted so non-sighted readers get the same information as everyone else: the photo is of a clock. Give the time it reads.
4:16
